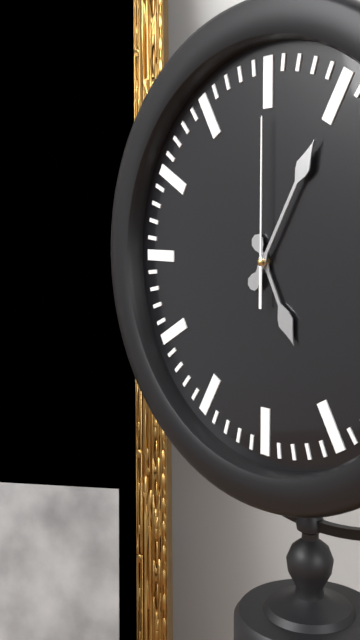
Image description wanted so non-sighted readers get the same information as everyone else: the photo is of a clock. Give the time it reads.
5:05:00
